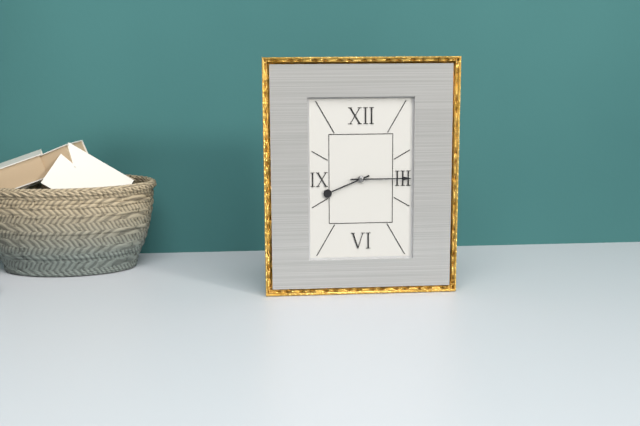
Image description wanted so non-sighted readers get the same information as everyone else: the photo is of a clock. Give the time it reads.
8:15
